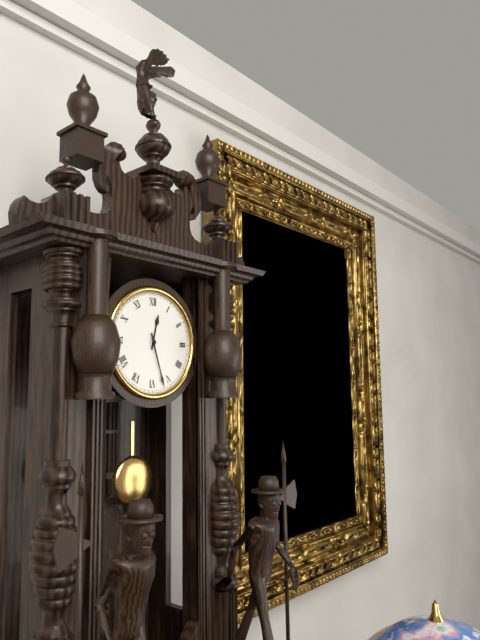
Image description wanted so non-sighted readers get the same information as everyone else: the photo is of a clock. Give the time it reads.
12:27
